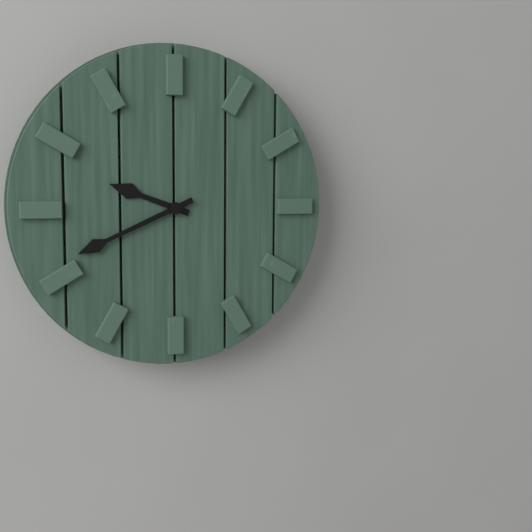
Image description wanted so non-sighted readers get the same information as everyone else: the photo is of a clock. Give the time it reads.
9:41
